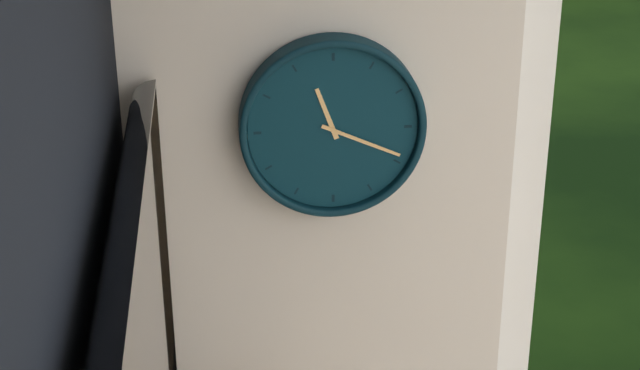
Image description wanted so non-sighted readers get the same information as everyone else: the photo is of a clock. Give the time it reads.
11:19
